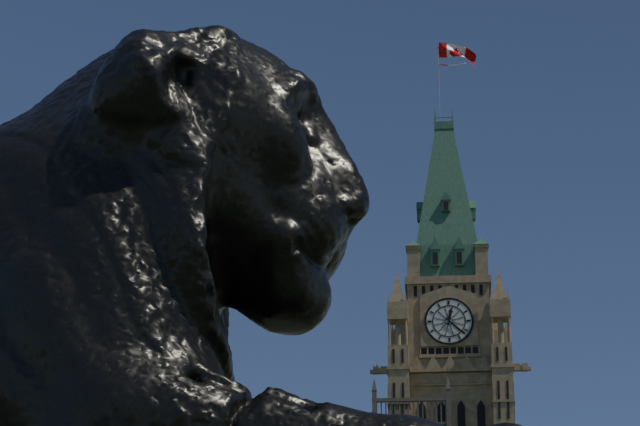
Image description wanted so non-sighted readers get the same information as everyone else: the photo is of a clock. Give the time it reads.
12:22
